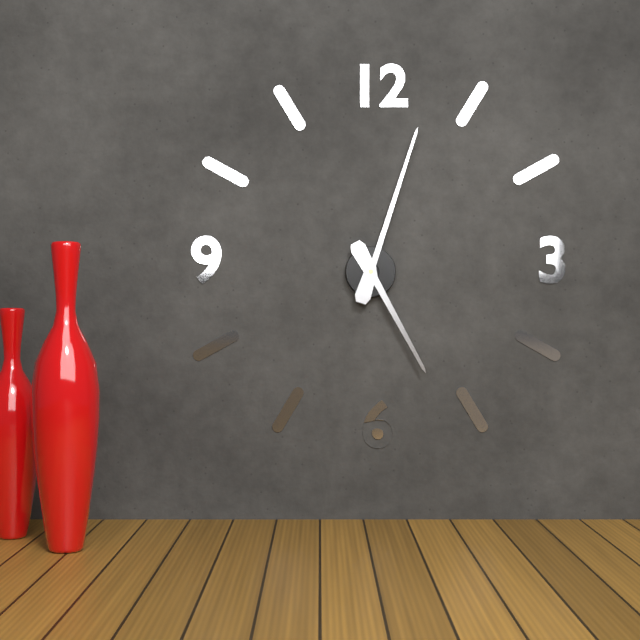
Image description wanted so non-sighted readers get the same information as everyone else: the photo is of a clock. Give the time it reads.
5:03
